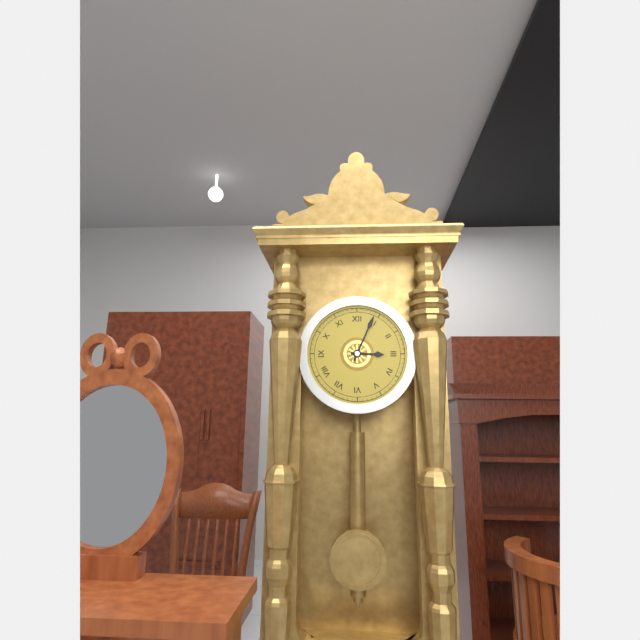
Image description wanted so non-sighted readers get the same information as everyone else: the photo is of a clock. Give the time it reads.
3:04
